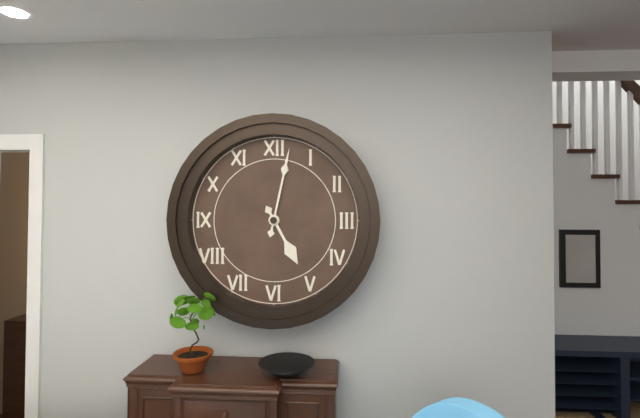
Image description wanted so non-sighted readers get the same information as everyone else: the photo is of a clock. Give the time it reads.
5:02
